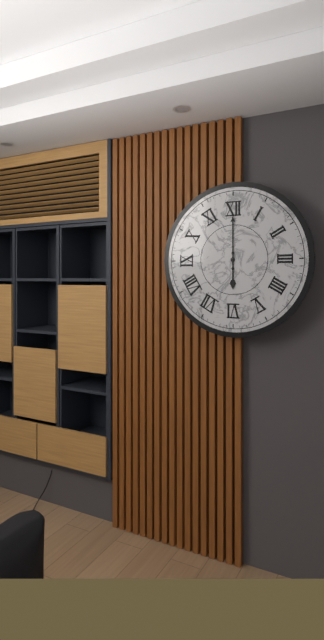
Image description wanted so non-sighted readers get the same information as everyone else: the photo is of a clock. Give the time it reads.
6:00
